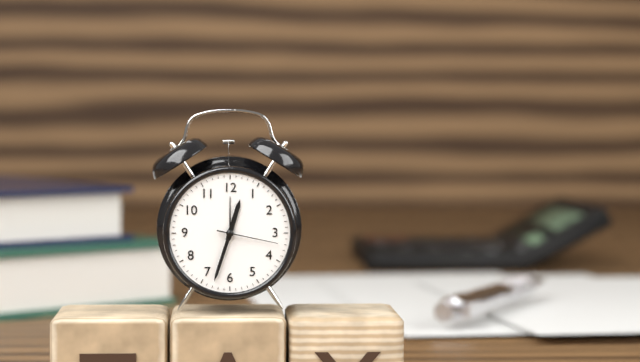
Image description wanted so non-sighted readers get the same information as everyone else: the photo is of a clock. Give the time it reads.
12:33:17
